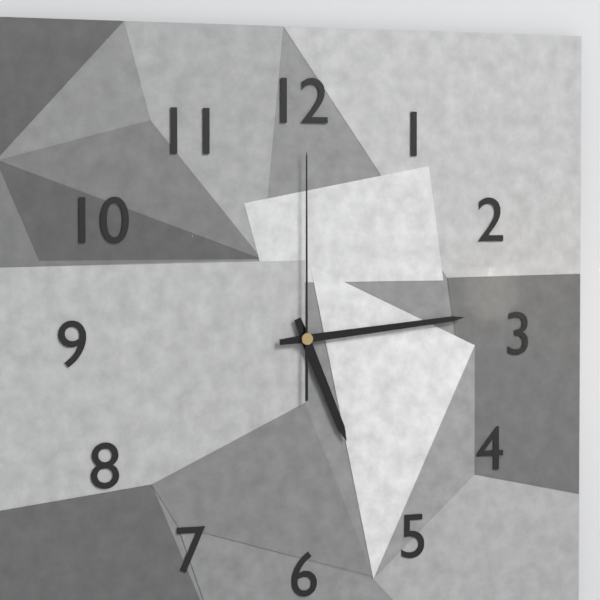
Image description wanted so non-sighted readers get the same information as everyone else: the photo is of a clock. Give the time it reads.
5:14:00
